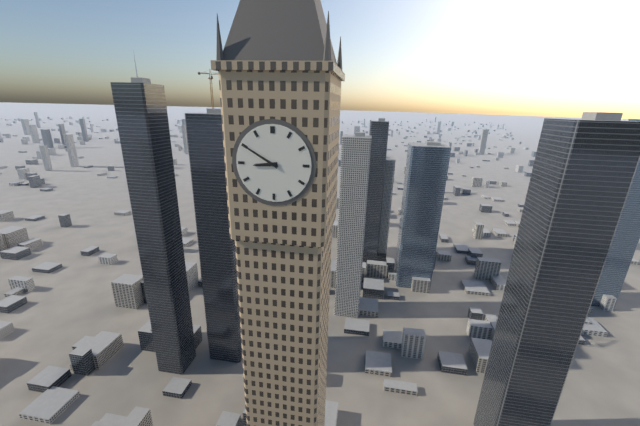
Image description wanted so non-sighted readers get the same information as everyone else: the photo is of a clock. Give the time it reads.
8:50
